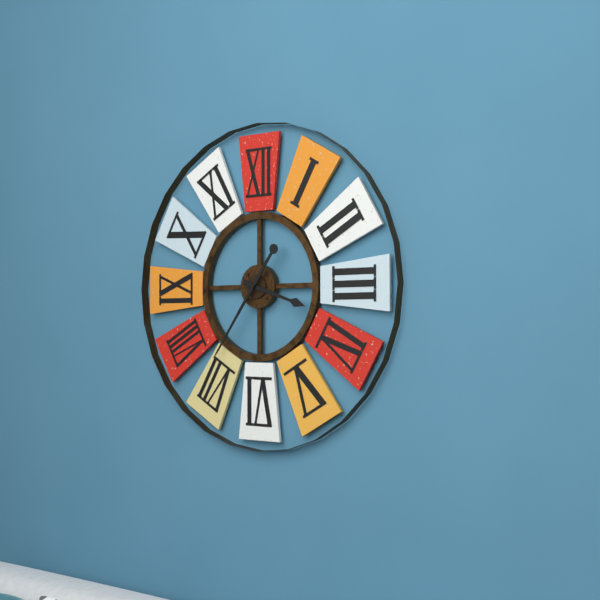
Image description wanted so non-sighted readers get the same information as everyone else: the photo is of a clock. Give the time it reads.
3:36
